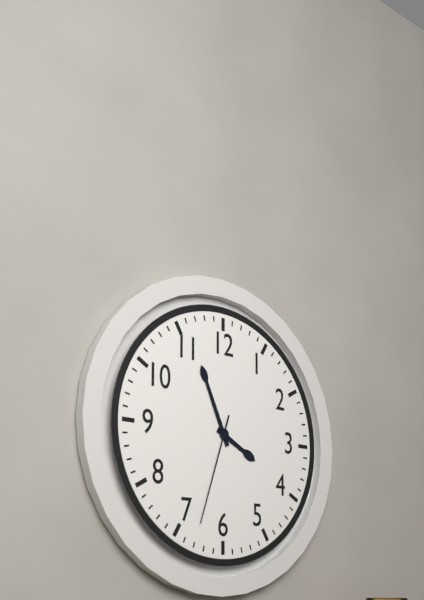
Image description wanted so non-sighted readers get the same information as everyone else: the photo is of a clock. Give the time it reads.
3:56:33
